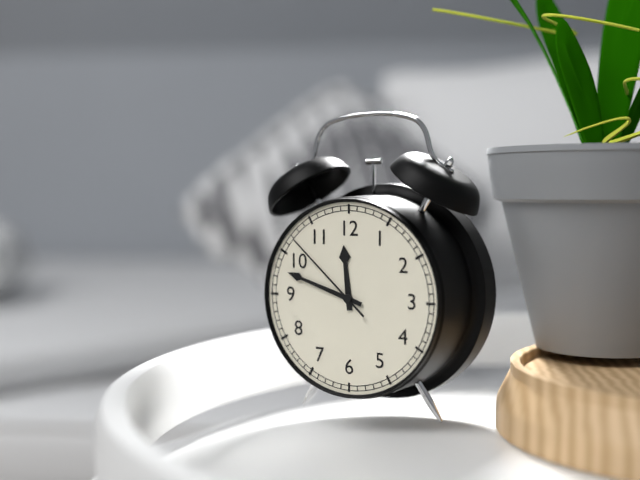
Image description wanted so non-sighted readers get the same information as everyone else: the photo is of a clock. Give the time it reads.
11:48:52
